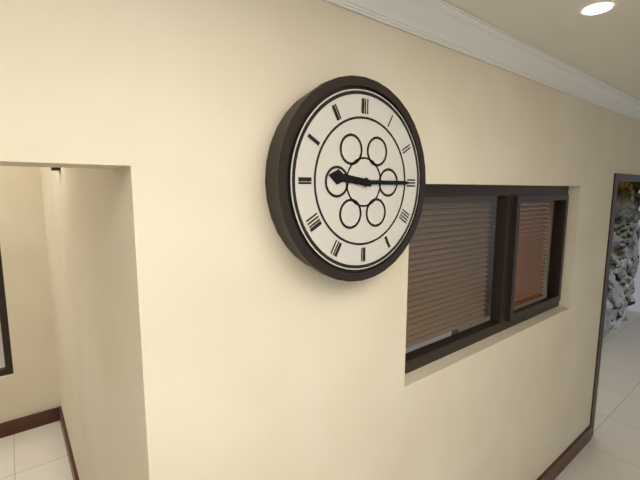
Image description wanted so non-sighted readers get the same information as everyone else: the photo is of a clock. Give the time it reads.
9:15
